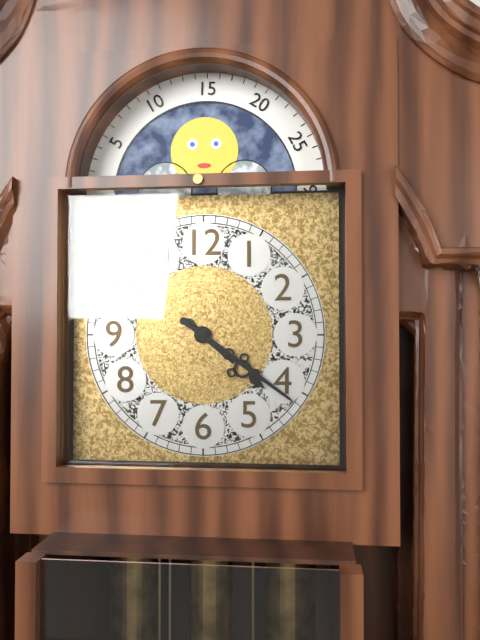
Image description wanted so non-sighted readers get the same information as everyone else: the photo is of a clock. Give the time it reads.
4:21
